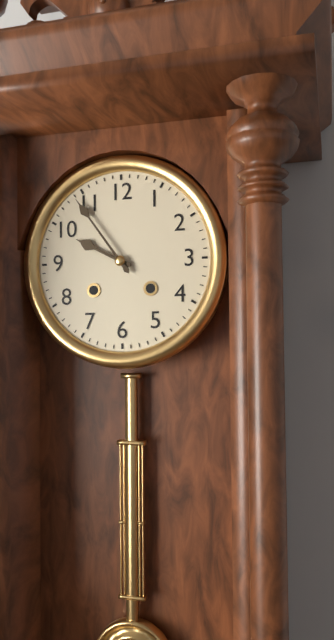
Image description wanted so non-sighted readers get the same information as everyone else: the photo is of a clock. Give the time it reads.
9:54
